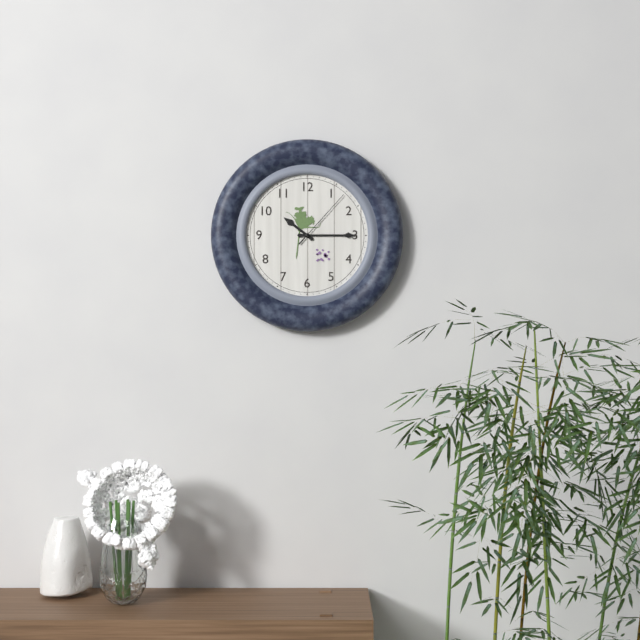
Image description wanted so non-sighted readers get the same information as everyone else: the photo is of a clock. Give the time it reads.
10:15:07
